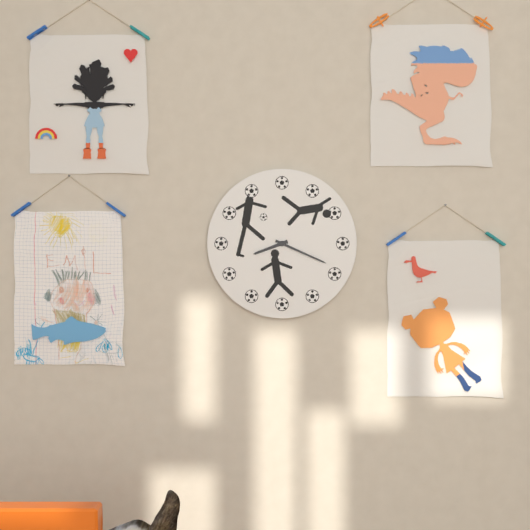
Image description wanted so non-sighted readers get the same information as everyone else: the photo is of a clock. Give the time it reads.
8:19
